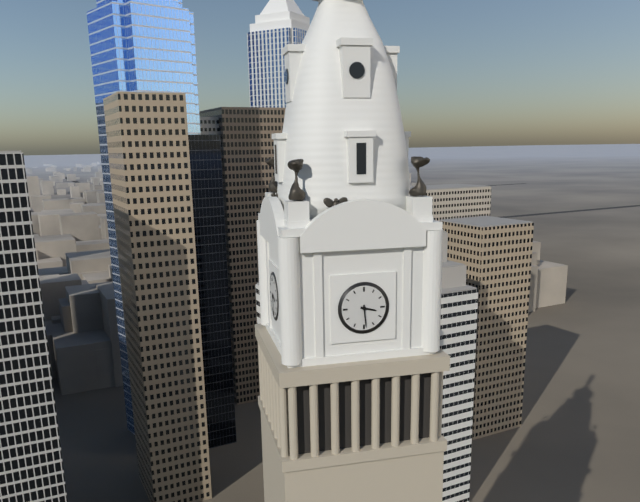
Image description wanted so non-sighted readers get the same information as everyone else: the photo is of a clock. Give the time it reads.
3:29
